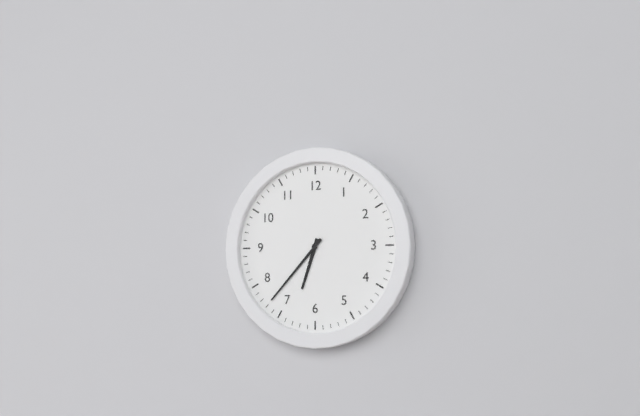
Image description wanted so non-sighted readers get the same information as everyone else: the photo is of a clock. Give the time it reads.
6:37
